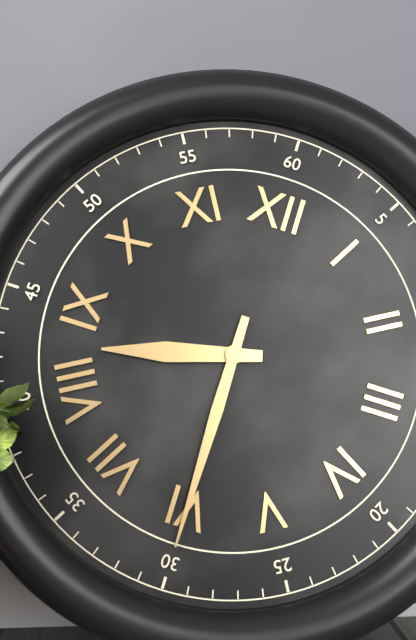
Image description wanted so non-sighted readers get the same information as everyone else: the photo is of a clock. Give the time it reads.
8:30
